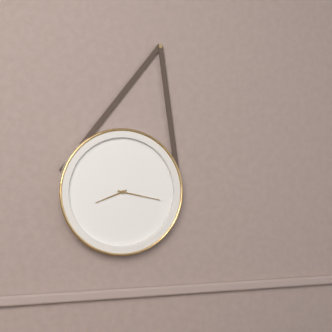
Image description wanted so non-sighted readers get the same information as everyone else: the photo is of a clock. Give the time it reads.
8:17
